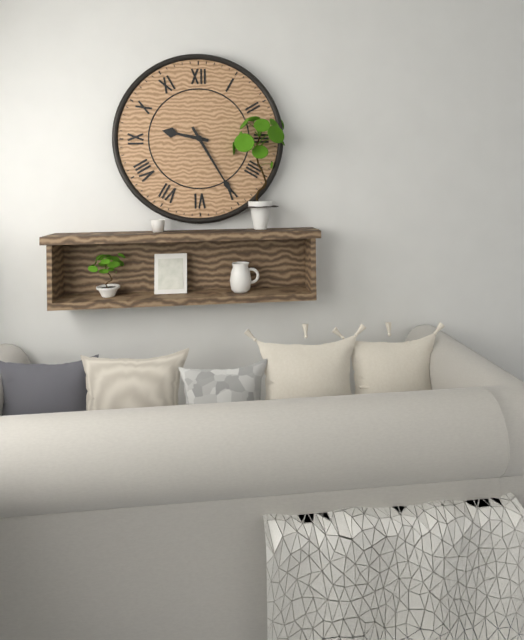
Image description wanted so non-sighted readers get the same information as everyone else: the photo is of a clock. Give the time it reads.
9:25
